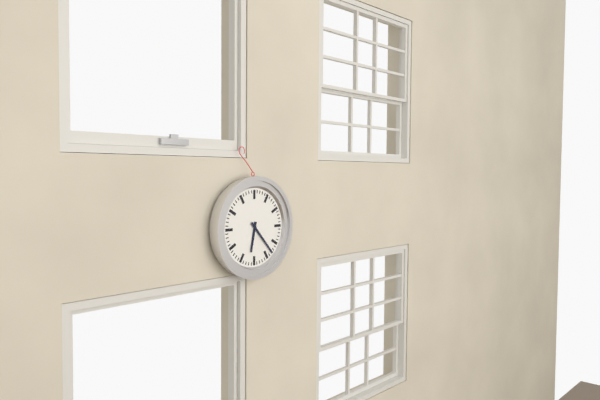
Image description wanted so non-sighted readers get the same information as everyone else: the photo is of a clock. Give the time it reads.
6:23
